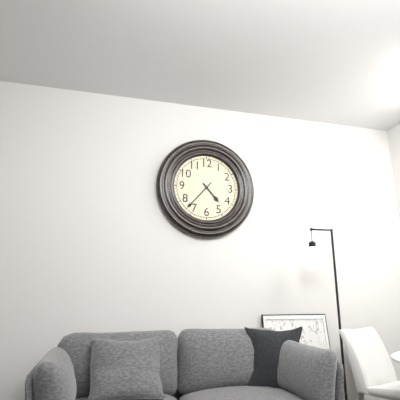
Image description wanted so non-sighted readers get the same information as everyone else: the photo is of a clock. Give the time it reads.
4:37
